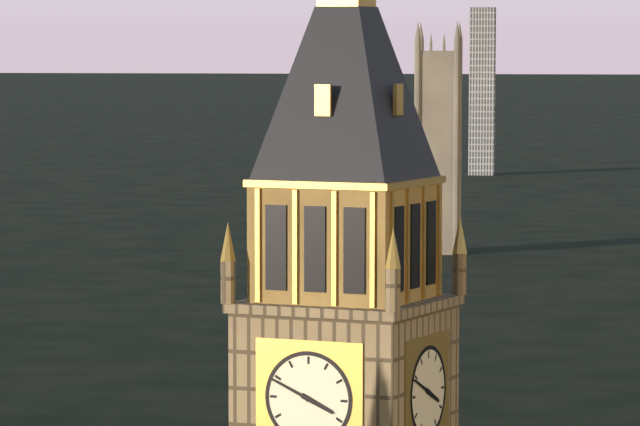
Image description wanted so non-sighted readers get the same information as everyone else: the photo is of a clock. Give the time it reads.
3:49
